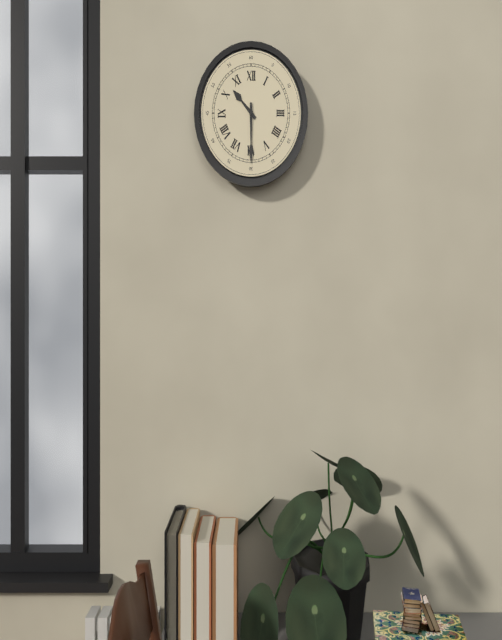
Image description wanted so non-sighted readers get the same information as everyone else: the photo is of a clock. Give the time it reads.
10:30
